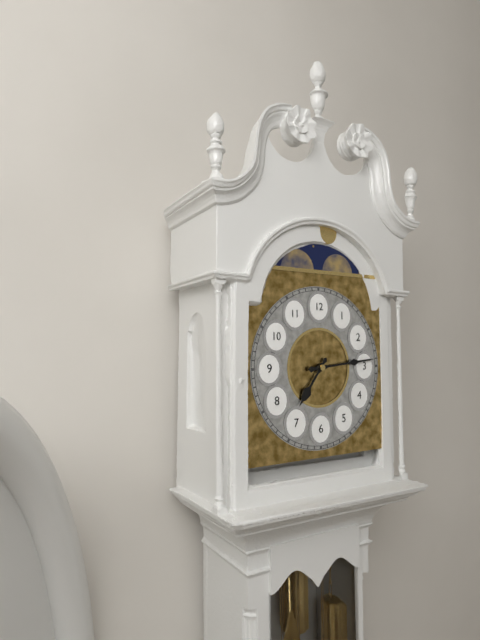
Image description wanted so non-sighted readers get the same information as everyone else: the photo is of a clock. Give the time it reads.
7:14
